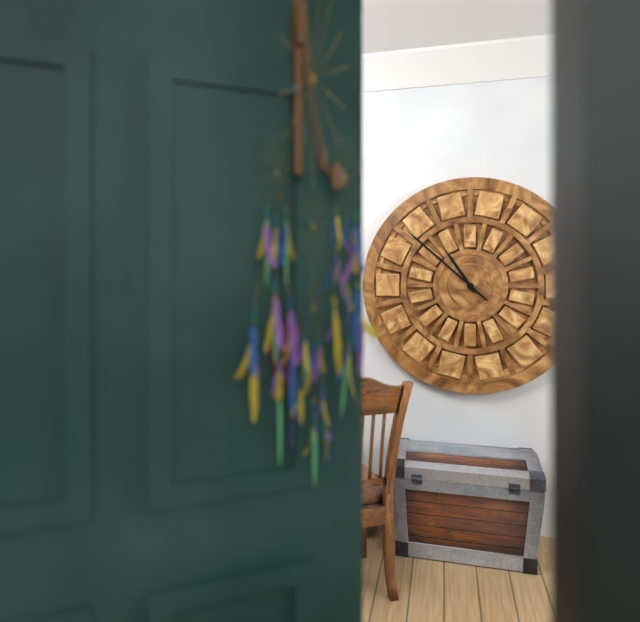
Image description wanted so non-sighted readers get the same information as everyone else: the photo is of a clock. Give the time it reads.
10:52
